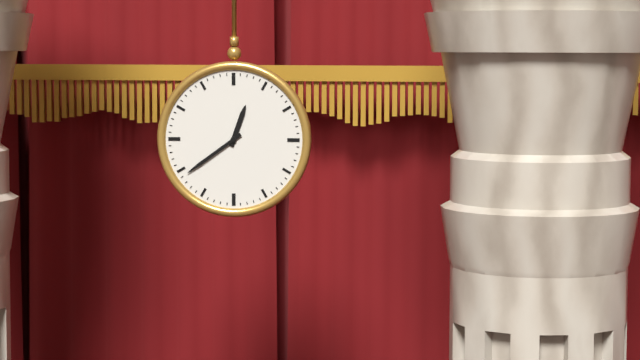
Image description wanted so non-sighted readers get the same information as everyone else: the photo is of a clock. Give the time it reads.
12:39
